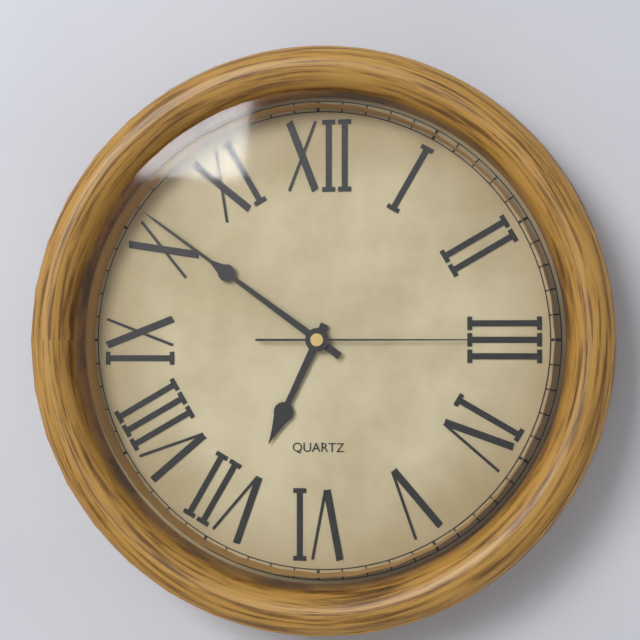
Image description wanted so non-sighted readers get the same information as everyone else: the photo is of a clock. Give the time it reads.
6:51:15
